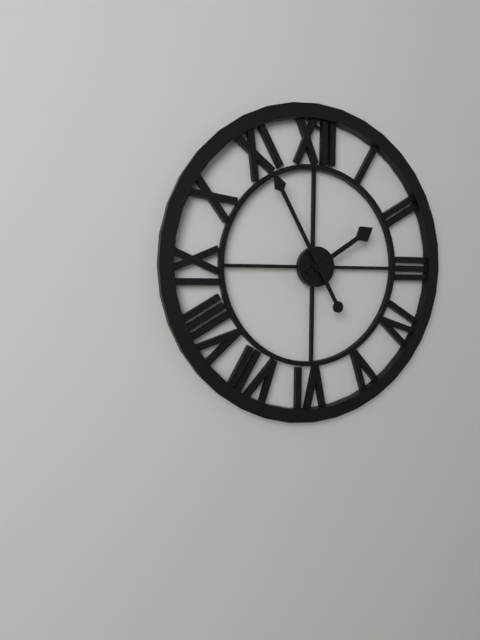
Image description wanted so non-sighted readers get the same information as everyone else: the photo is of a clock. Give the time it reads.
1:55
